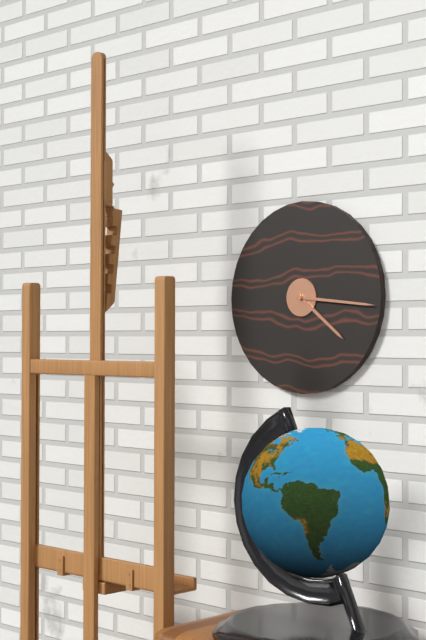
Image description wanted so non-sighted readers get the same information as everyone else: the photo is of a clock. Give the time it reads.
4:16
